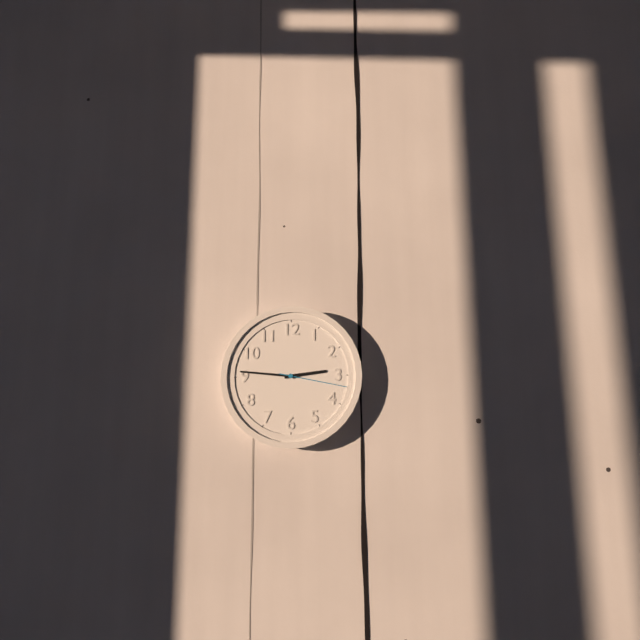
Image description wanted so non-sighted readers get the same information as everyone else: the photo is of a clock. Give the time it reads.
2:46:17
